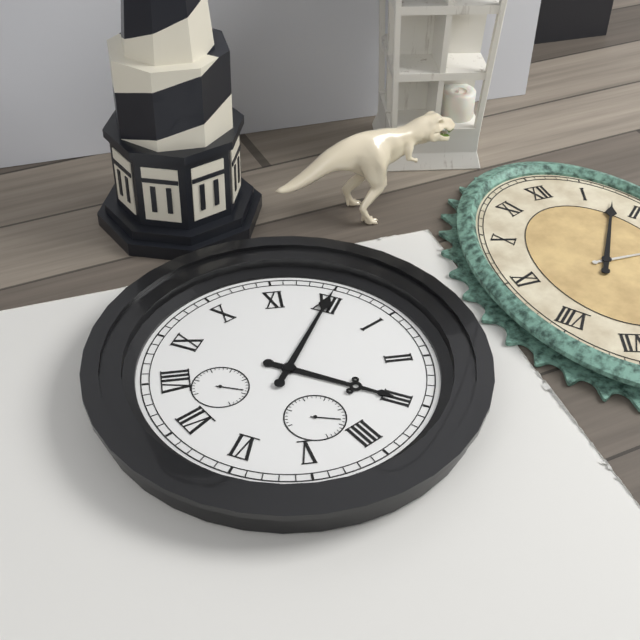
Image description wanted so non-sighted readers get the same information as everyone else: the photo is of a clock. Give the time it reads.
3:00
